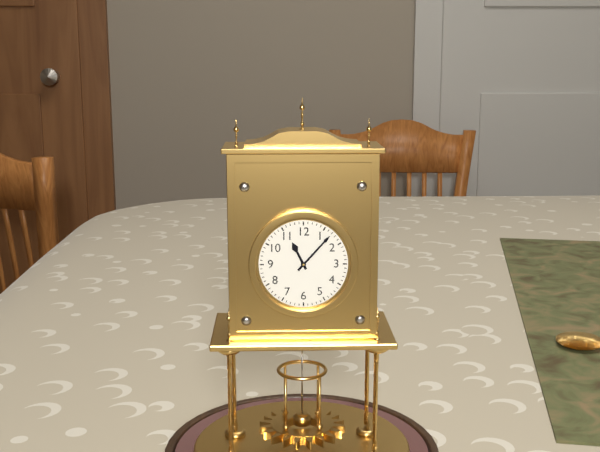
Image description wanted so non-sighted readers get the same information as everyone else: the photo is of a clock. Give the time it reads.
11:07
